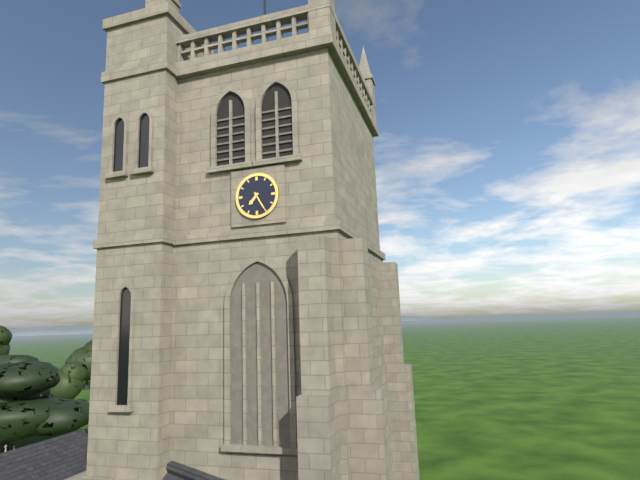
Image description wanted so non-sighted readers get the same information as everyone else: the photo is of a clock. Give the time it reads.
7:25
